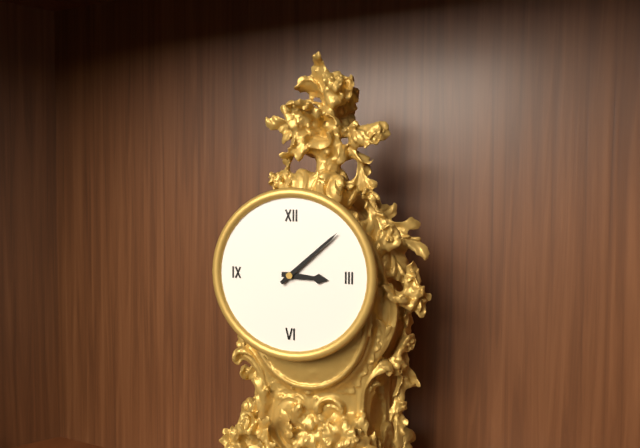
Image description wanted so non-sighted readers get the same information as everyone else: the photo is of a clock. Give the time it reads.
3:08
